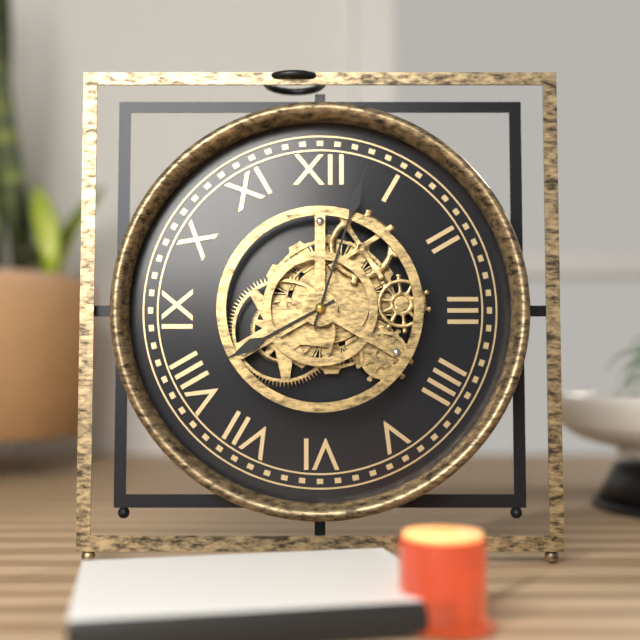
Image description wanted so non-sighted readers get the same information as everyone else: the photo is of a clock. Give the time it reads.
8:03
